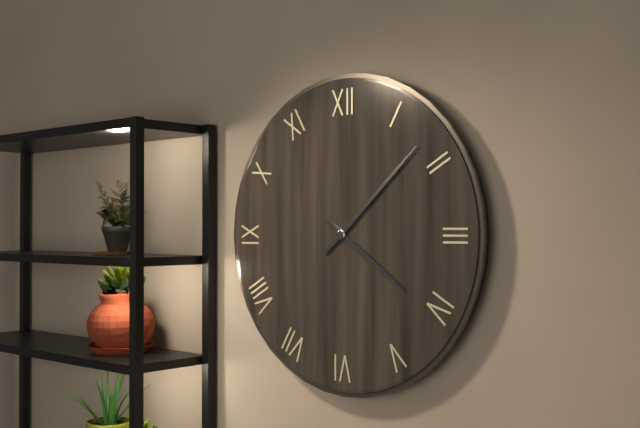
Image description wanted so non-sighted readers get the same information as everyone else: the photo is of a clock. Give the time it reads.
4:08
